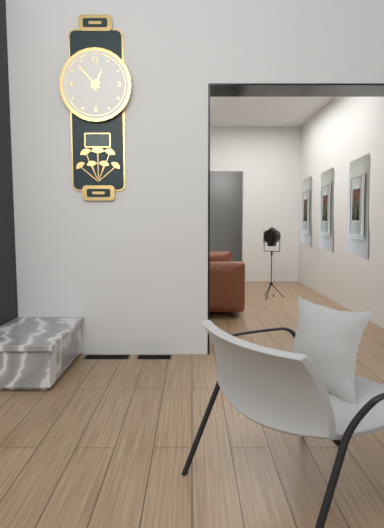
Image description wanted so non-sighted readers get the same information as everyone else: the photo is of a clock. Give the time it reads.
12:53
